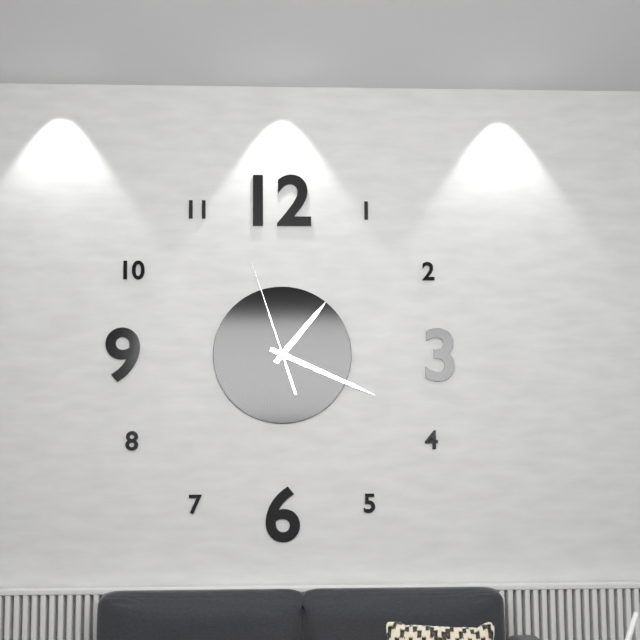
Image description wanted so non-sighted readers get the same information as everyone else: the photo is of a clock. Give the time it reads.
1:19:57
